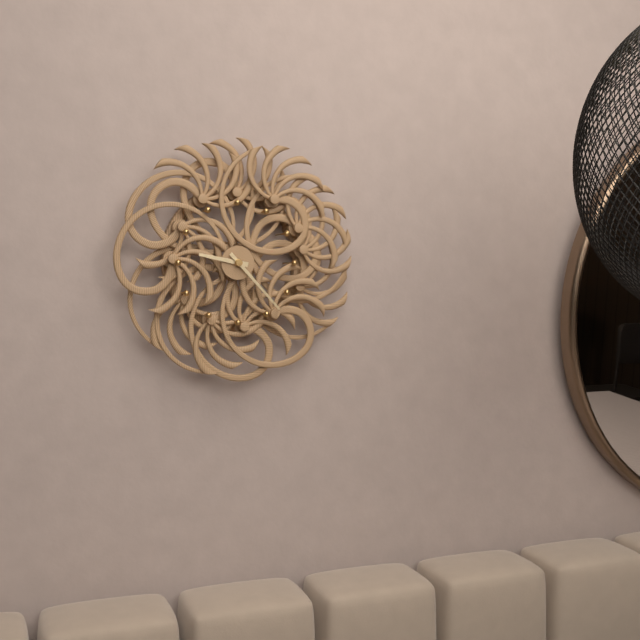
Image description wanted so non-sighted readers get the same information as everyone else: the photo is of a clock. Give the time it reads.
9:23
